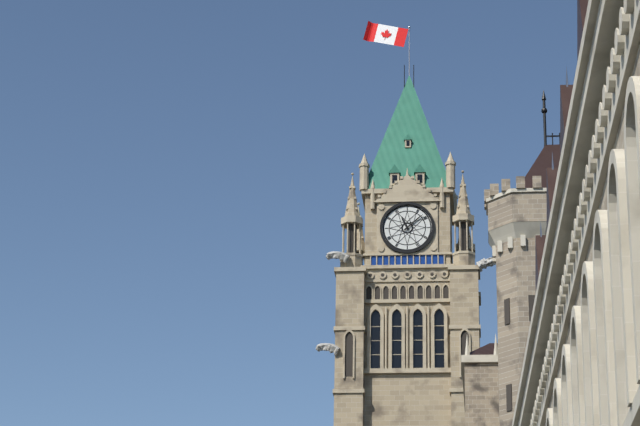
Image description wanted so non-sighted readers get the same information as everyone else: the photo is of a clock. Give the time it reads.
11:08
